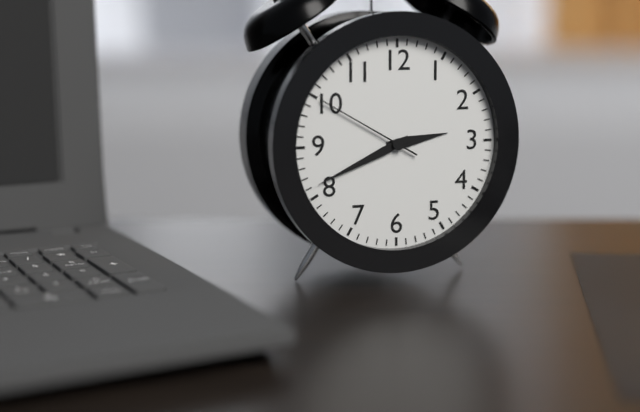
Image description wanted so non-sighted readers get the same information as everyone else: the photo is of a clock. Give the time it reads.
2:41:50
